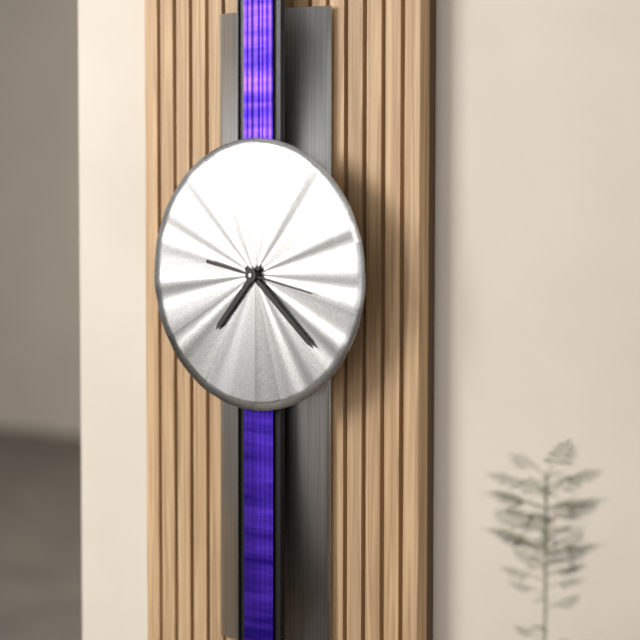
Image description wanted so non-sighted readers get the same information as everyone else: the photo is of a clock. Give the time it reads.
7:22:17
